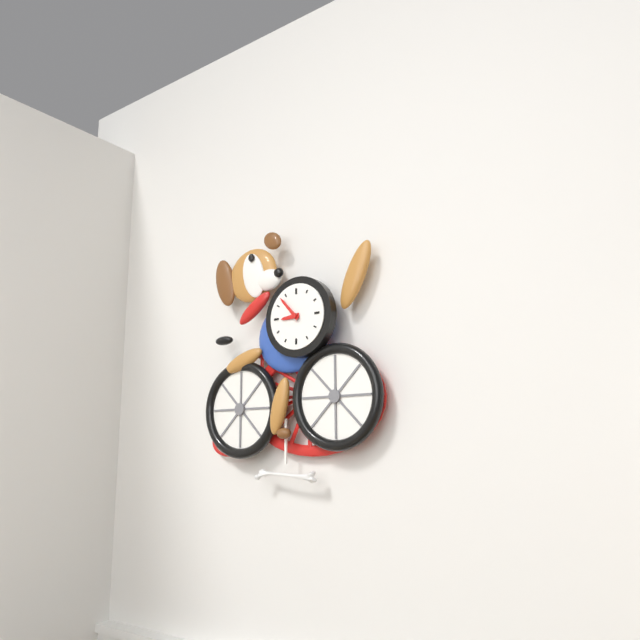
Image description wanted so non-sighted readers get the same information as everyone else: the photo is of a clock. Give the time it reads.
8:53
